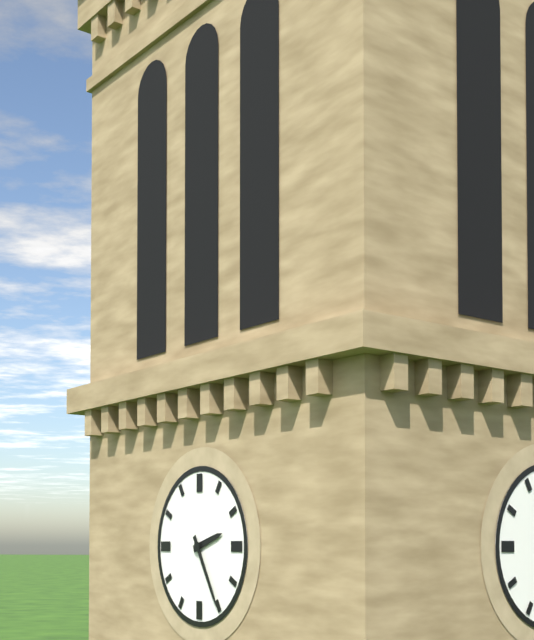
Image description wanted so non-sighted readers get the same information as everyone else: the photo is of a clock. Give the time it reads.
2:25
